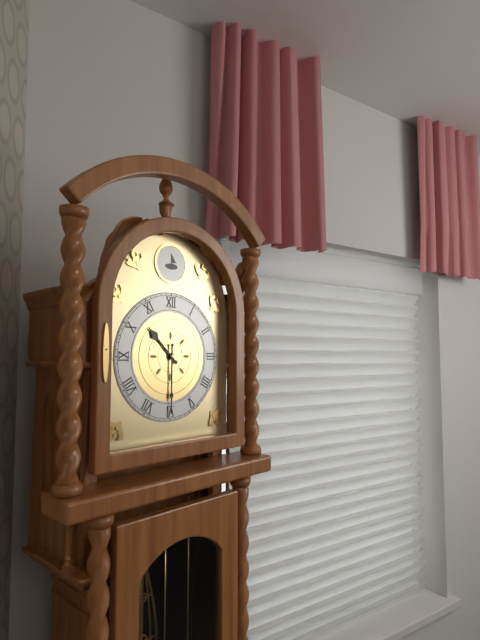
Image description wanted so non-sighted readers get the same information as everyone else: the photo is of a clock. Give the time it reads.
10:30
